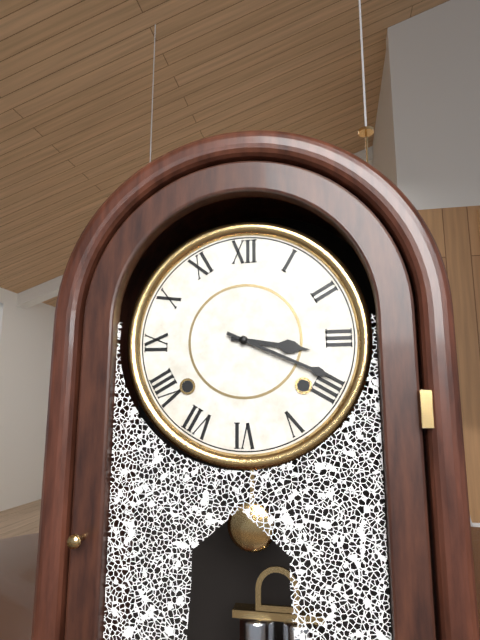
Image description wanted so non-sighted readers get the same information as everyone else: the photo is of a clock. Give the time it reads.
3:19
